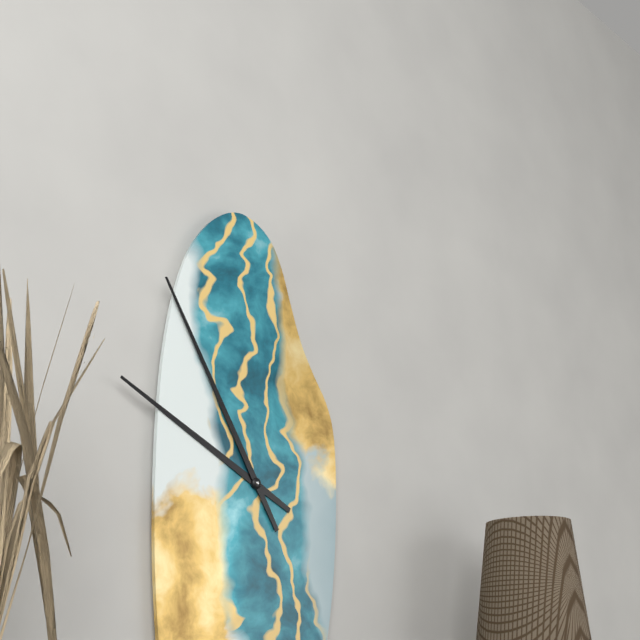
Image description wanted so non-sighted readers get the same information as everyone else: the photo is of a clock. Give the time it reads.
9:55
